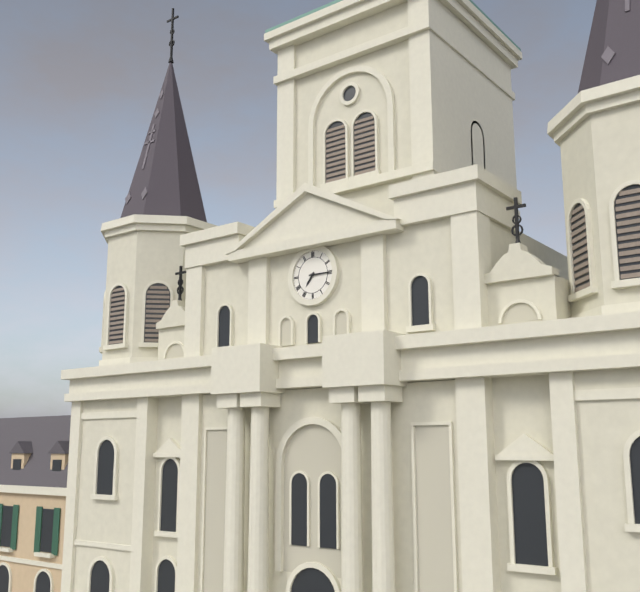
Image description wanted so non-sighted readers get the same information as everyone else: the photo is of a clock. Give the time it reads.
7:15
